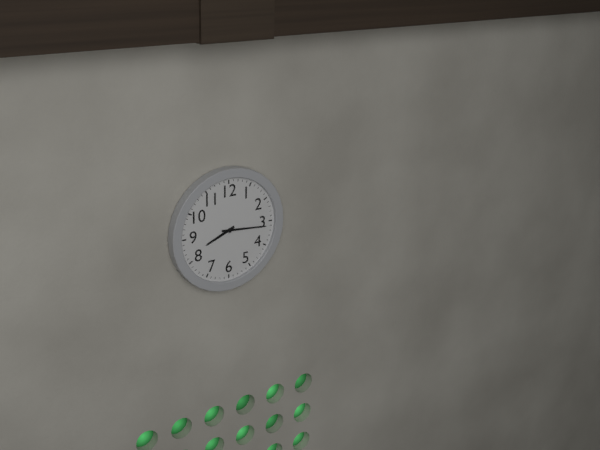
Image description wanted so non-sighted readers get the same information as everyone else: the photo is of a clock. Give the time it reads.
8:16
